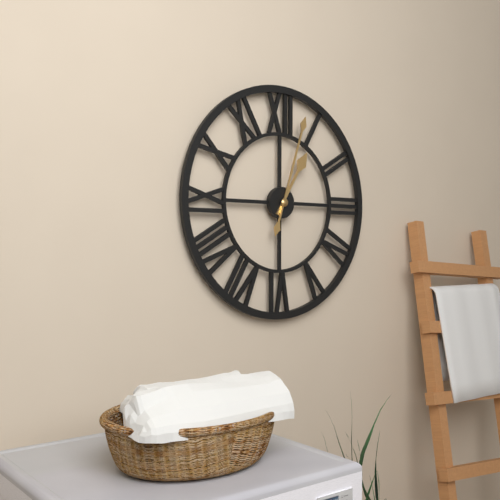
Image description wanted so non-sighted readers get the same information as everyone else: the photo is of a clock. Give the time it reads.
1:03
